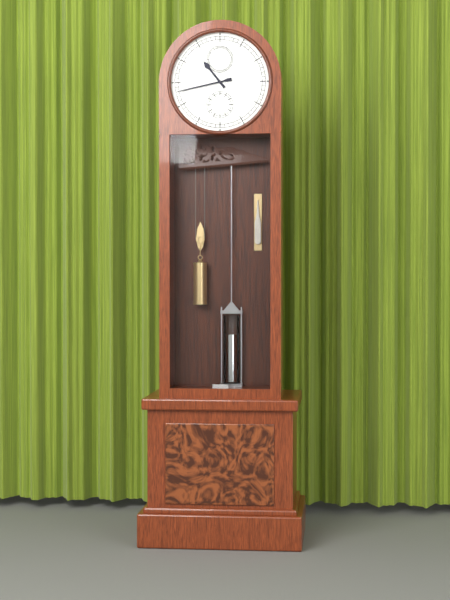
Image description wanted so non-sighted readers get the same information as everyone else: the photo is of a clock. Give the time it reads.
10:43
